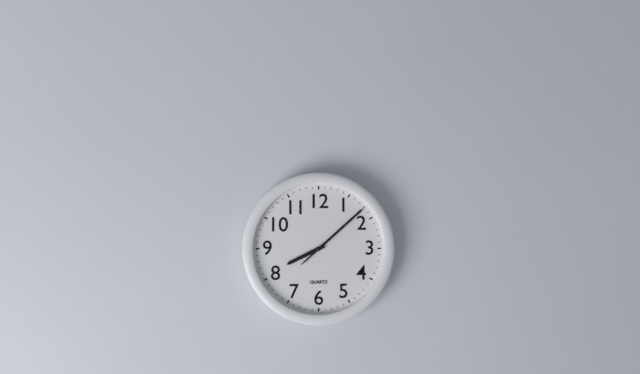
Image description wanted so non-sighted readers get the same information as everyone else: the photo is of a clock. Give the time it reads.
8:08
